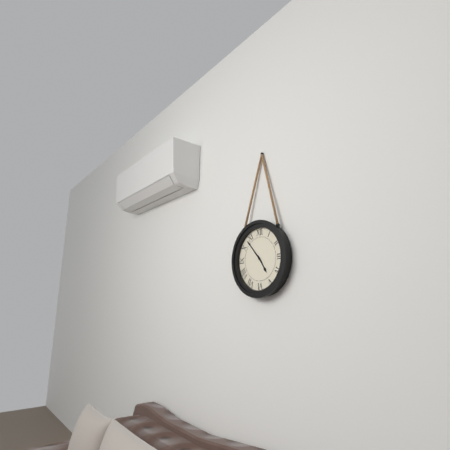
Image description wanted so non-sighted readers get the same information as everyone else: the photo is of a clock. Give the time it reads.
4:53
